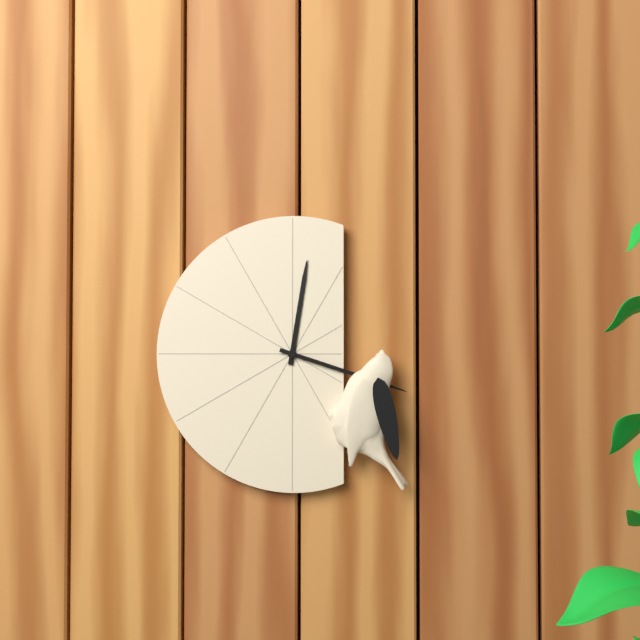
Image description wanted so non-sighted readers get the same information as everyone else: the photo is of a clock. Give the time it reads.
12:18
